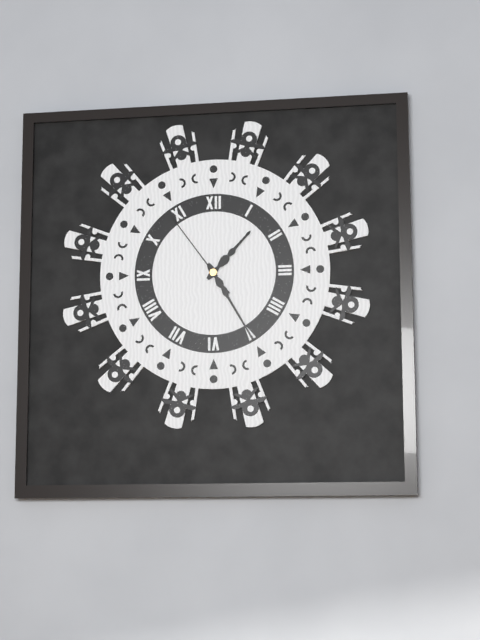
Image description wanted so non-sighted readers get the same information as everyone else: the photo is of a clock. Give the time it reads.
1:25:54
